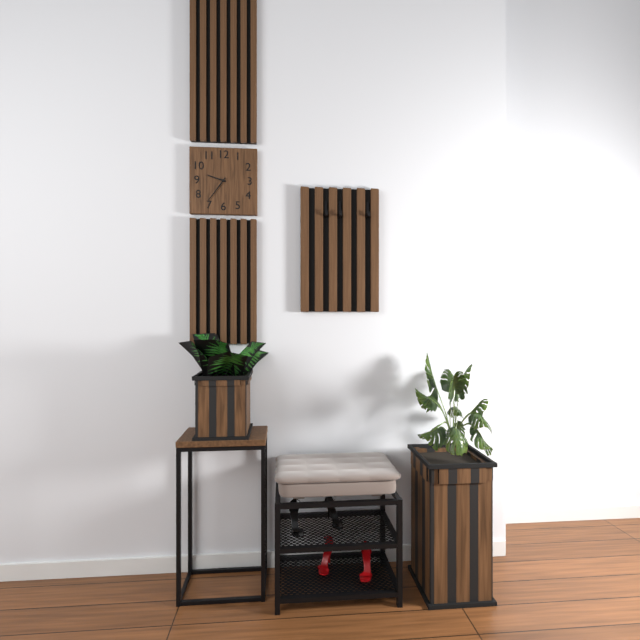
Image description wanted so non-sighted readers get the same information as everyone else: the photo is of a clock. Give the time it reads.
9:36
